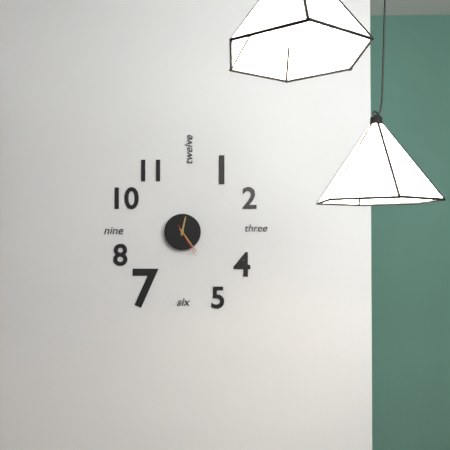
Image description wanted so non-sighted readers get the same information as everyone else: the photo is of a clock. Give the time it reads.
12:24
